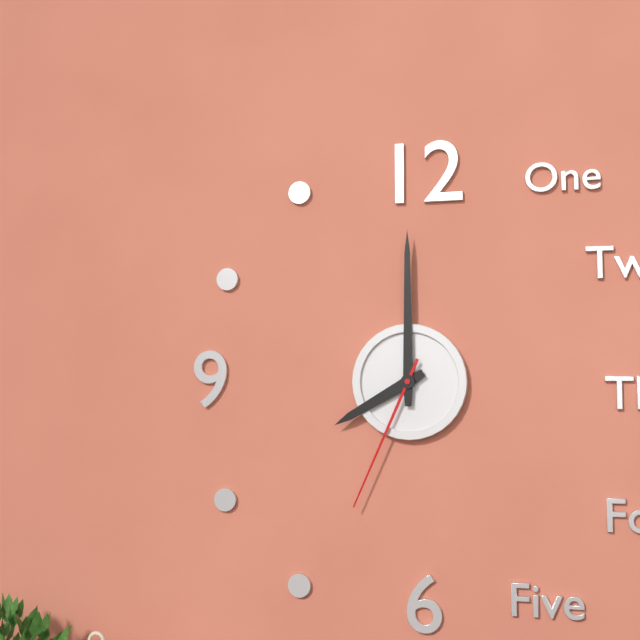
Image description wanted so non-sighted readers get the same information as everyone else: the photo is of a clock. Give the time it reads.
8:00:34
